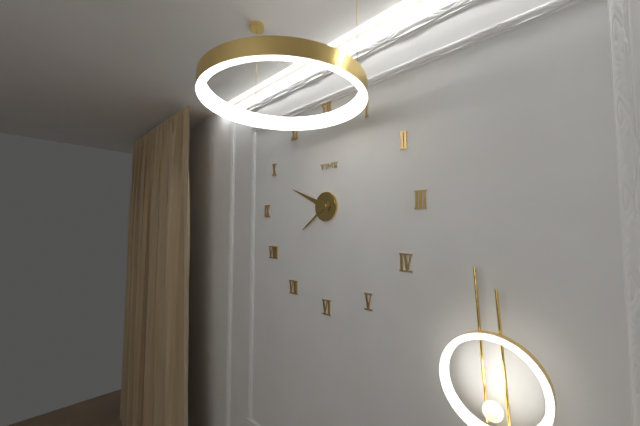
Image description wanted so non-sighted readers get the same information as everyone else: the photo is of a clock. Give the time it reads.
7:49
